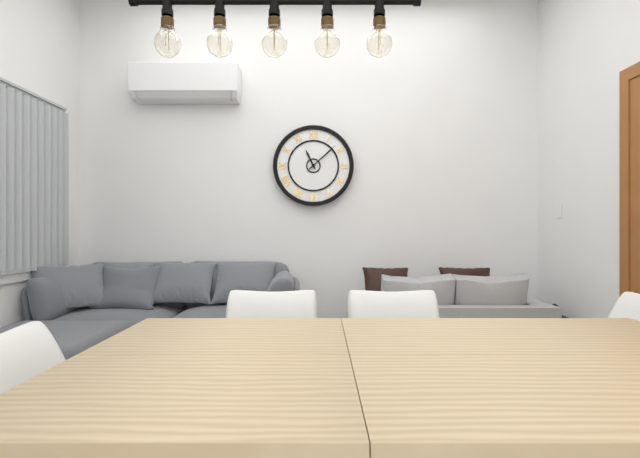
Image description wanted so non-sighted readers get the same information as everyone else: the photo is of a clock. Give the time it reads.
11:08
